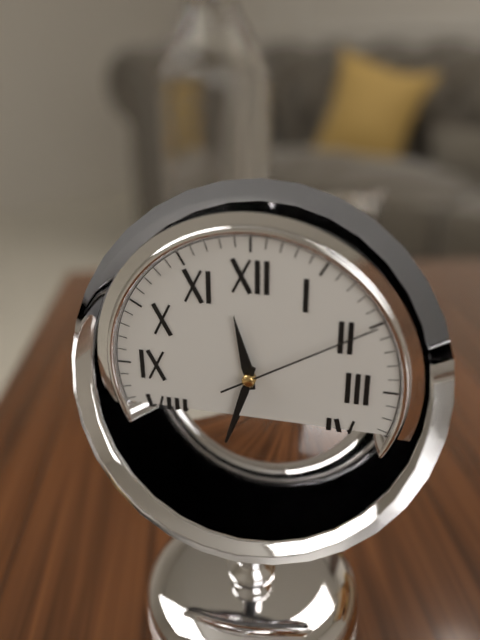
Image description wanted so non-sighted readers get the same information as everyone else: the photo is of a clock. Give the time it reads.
11:33:10
